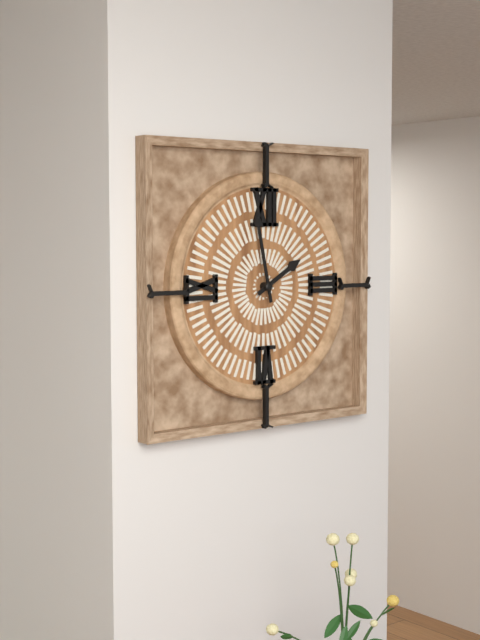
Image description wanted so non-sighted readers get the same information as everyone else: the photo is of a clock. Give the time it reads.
1:58
